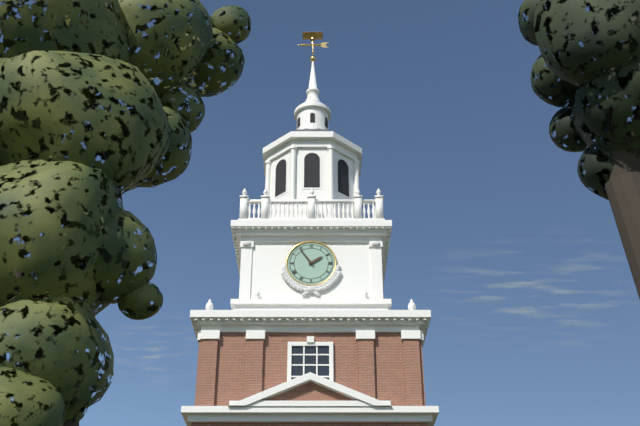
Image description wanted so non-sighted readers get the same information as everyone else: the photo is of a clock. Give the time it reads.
1:54
